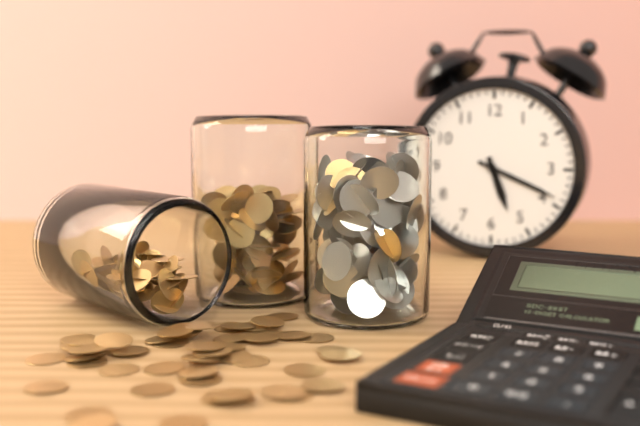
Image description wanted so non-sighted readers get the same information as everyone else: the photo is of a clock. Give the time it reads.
5:19
